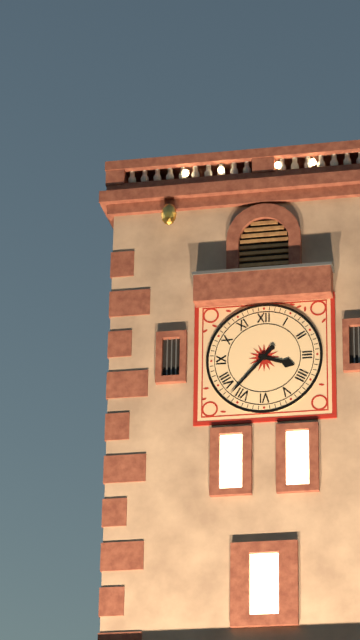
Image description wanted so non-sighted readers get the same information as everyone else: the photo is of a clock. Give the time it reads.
3:37
